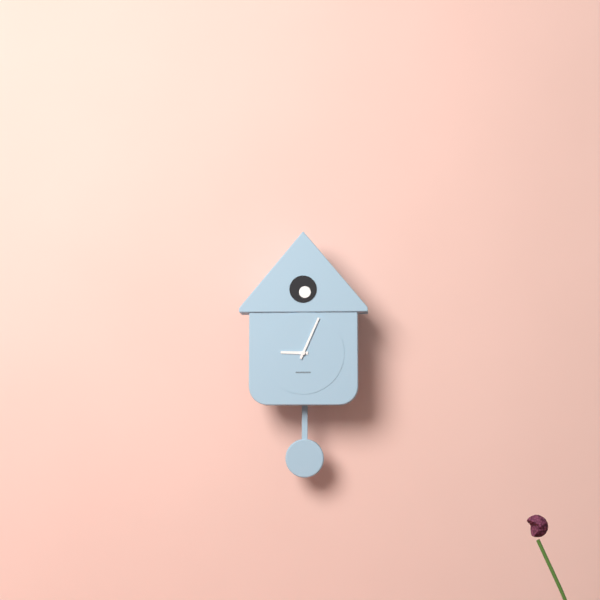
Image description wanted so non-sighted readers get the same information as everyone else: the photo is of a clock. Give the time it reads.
9:04
